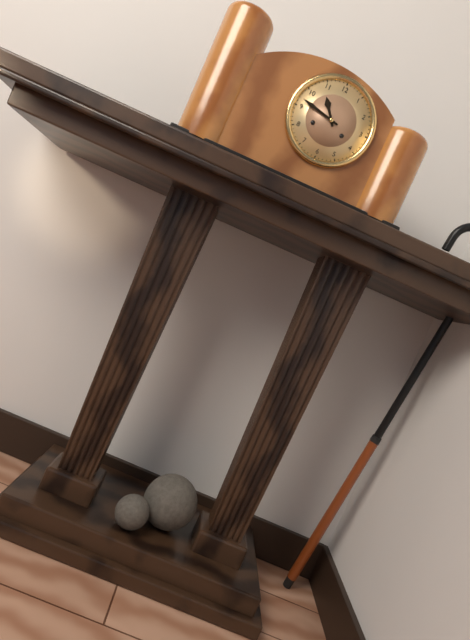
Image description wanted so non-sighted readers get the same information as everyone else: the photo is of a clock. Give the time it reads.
10:47
